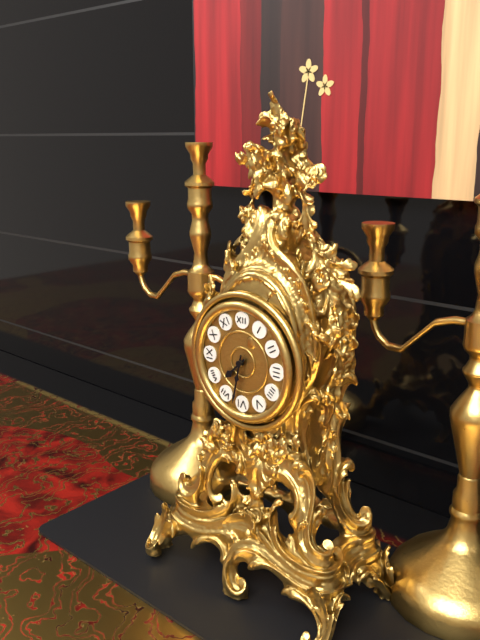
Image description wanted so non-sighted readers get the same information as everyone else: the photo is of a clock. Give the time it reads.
7:32
